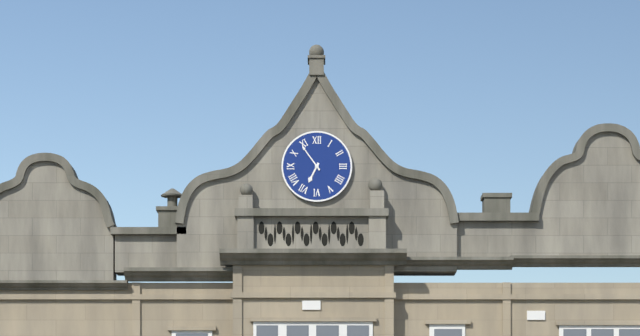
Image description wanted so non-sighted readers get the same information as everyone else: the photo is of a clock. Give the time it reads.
6:54
